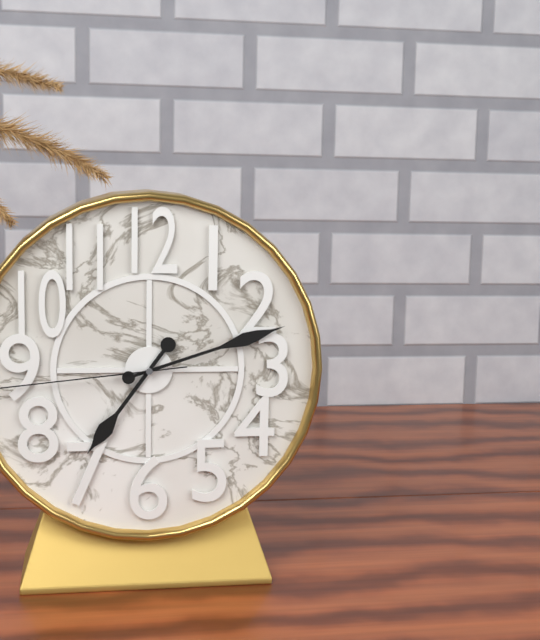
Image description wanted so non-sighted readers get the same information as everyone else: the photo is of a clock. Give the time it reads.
7:12
